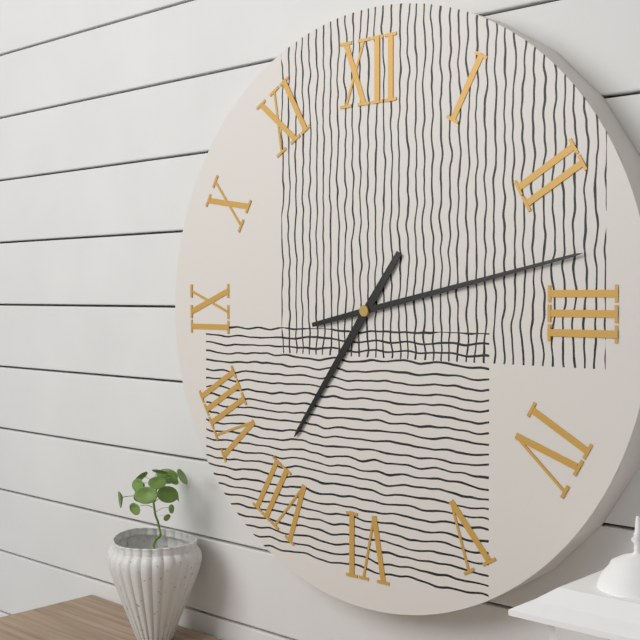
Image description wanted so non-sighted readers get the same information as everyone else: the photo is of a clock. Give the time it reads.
7:13
